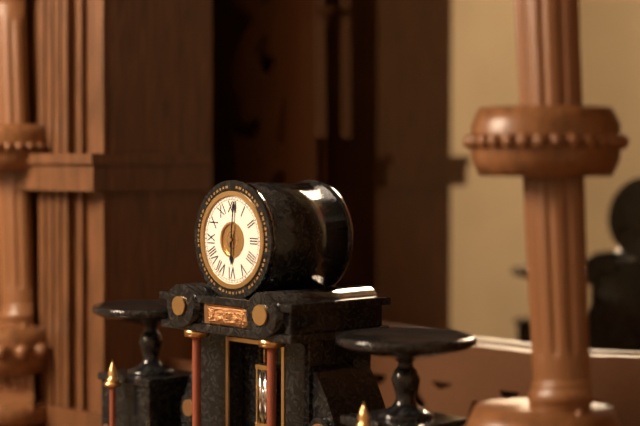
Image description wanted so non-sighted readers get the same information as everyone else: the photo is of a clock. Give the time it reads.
6:01
